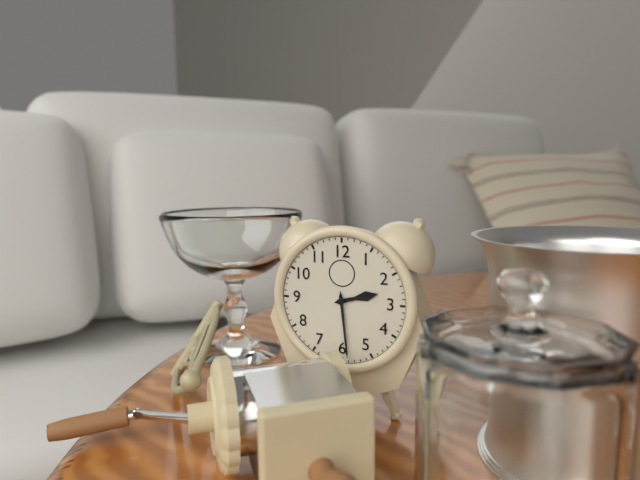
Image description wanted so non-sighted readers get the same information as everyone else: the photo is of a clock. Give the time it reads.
2:29
